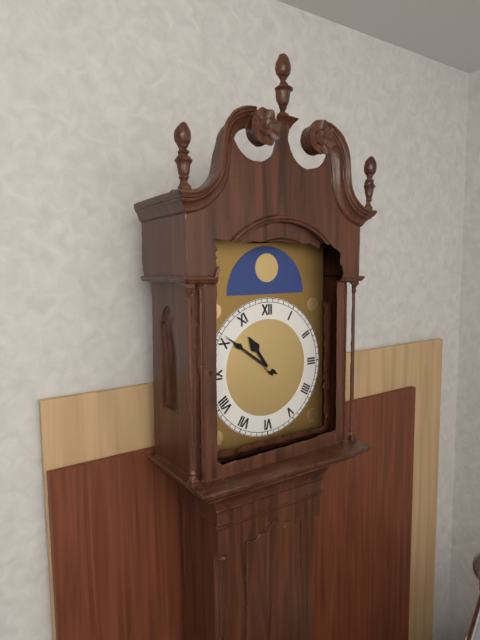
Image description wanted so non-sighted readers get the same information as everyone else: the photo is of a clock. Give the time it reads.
10:51
